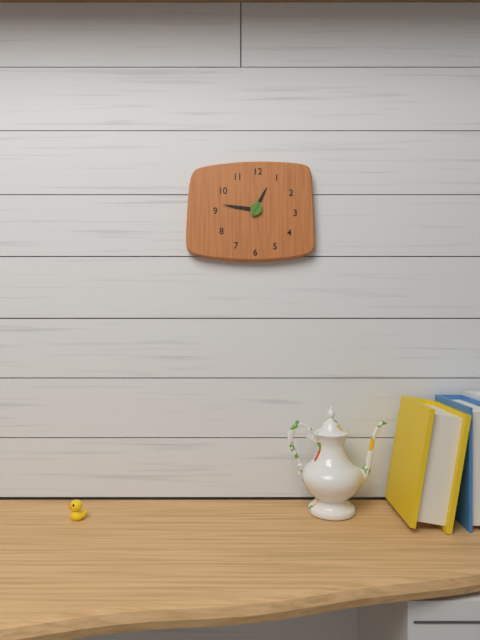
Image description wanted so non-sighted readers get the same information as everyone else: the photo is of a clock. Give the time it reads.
12:46
